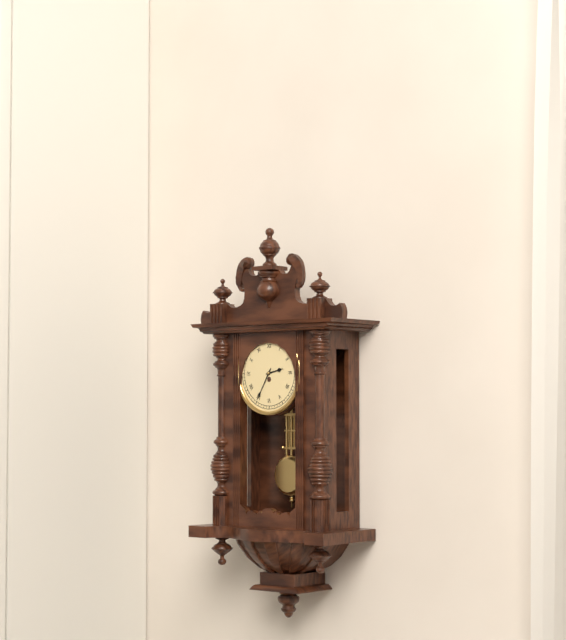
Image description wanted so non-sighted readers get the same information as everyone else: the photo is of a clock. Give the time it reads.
2:35
